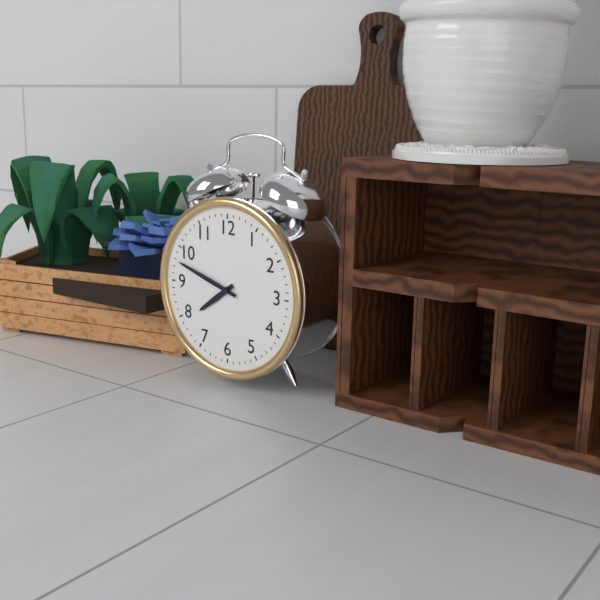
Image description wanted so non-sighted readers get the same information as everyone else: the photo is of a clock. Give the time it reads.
7:48
